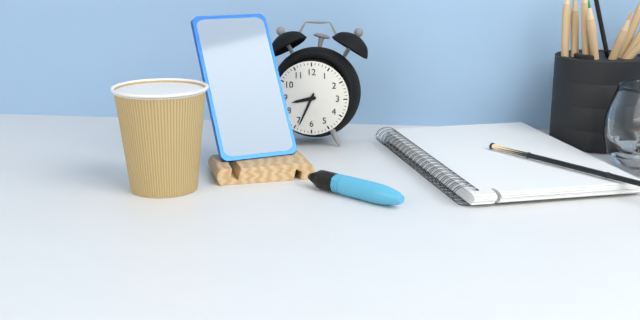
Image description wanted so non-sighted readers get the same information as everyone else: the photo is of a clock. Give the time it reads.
8:34
